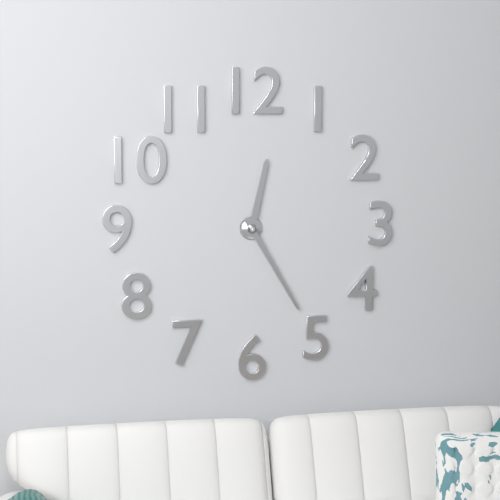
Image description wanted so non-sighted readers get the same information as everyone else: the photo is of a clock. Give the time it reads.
12:25
